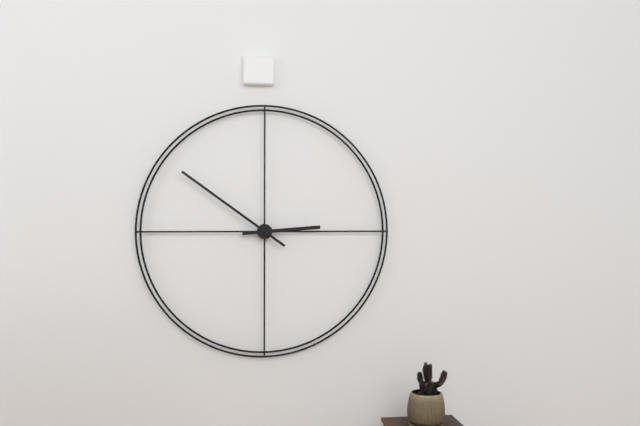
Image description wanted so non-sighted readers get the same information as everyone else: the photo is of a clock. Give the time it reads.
2:51
